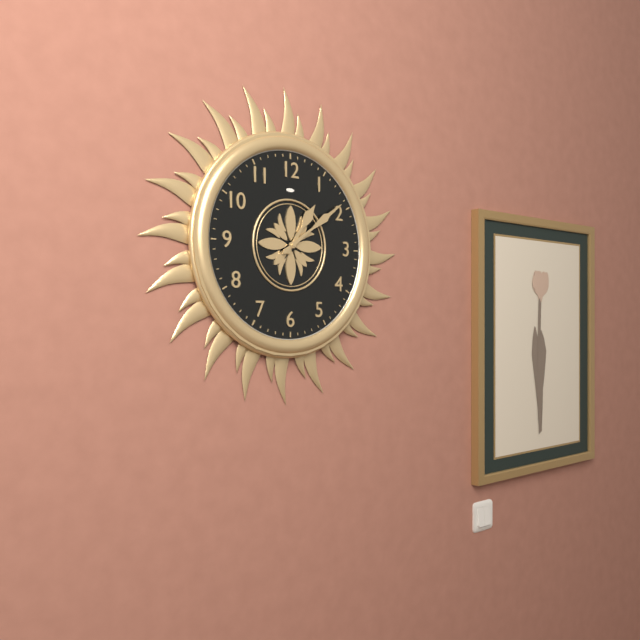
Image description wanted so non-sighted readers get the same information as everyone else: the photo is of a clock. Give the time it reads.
1:09
